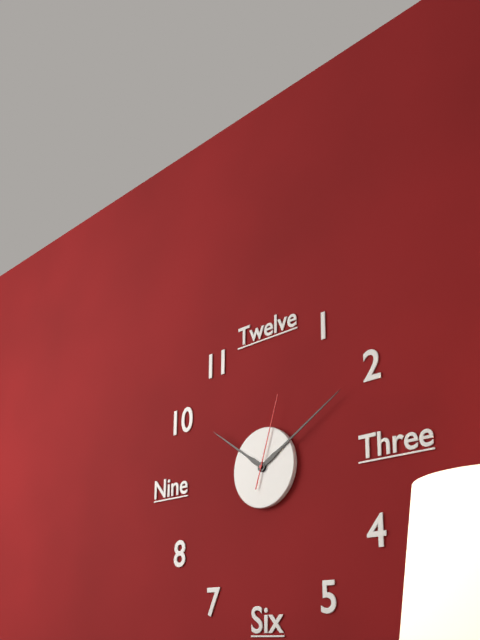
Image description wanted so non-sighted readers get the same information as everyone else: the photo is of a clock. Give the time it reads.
10:10:03
